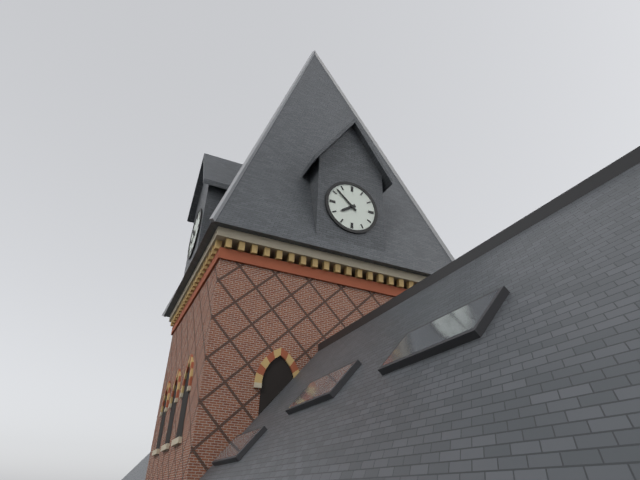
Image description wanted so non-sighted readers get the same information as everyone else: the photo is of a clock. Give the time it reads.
7:52
